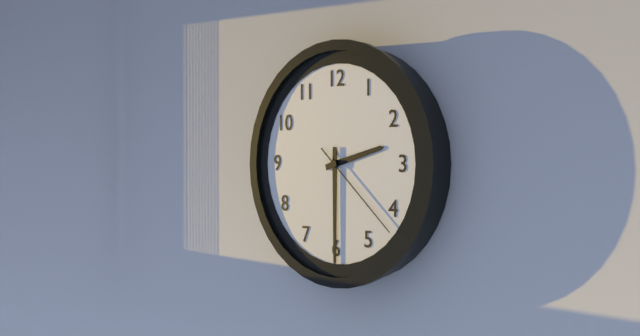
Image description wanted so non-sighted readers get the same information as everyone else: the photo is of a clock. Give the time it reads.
2:30:22
